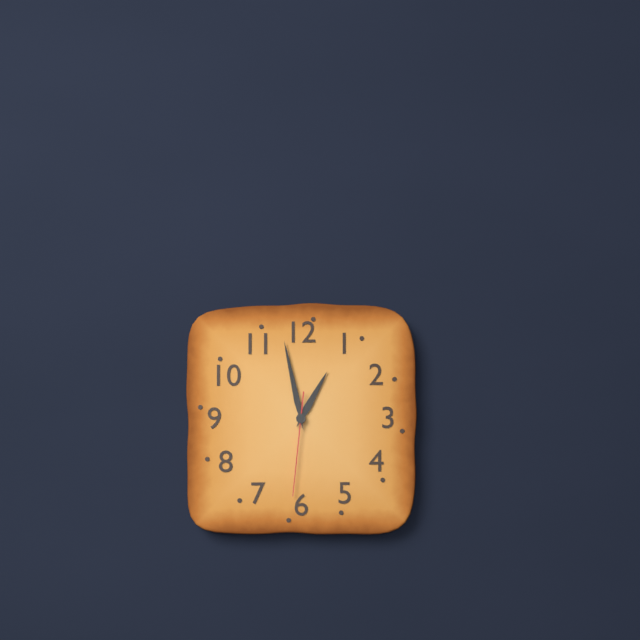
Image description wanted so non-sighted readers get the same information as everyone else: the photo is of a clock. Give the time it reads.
12:58:31
